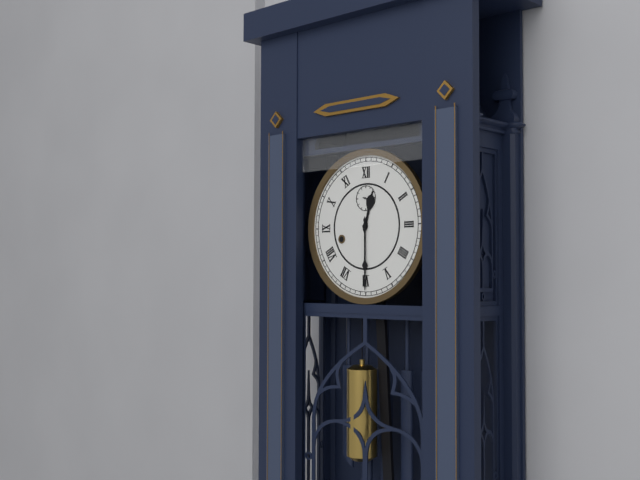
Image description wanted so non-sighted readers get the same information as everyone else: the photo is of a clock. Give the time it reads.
12:30
